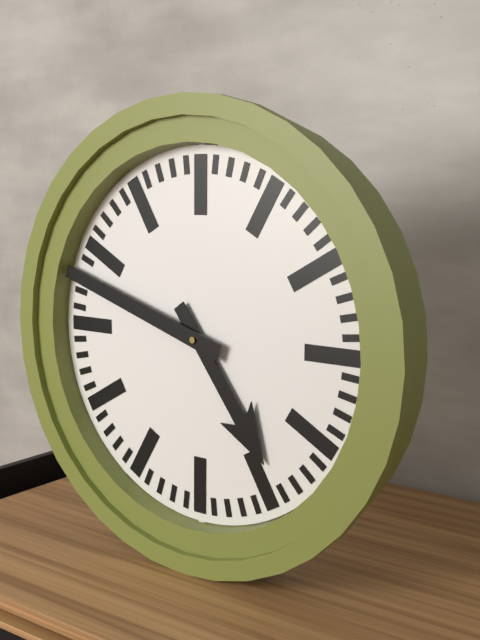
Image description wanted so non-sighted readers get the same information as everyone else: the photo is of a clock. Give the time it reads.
4:48
